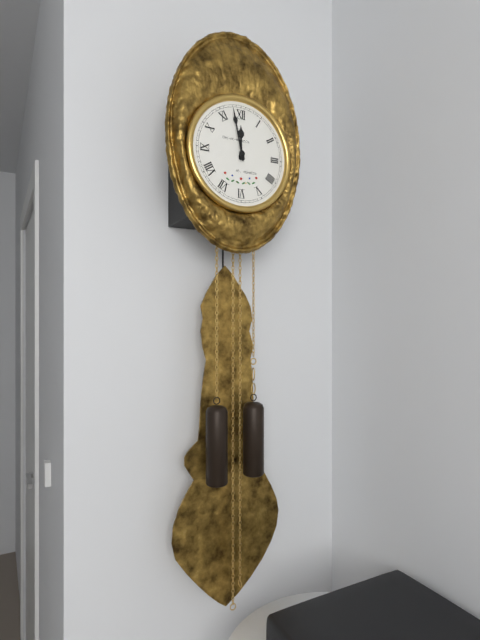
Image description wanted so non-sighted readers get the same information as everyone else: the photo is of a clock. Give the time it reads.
11:58
